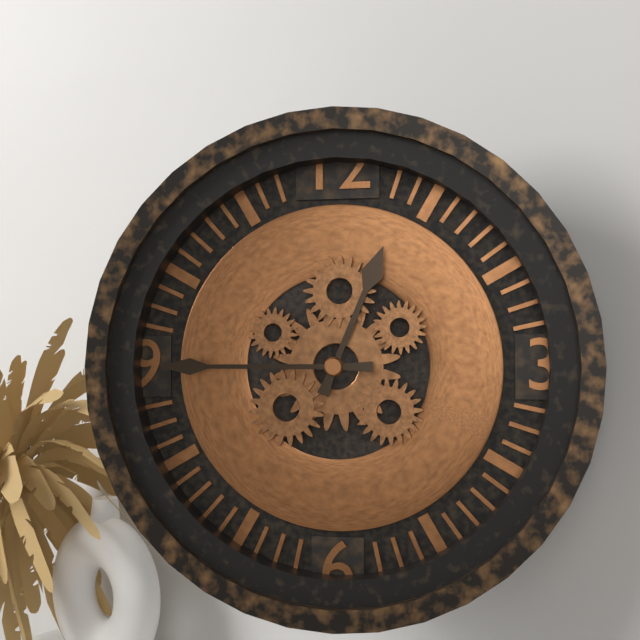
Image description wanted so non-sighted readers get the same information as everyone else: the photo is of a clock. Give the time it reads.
12:45
